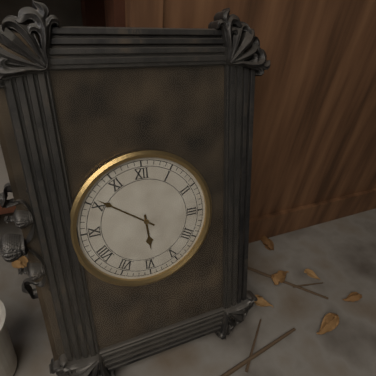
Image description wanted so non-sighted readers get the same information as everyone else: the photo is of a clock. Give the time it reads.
5:51
